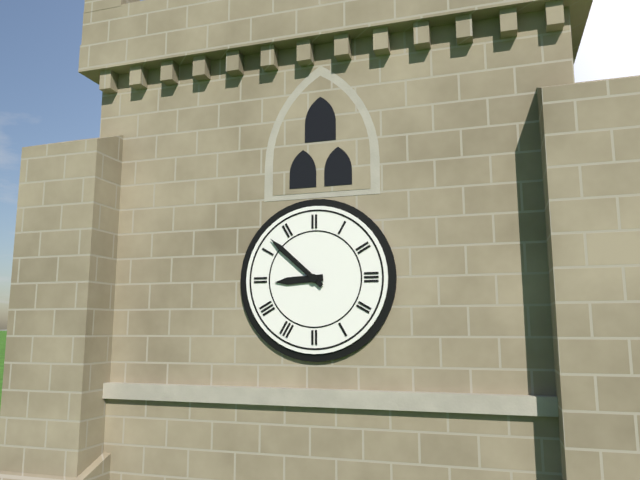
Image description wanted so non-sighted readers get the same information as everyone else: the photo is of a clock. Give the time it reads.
8:52
